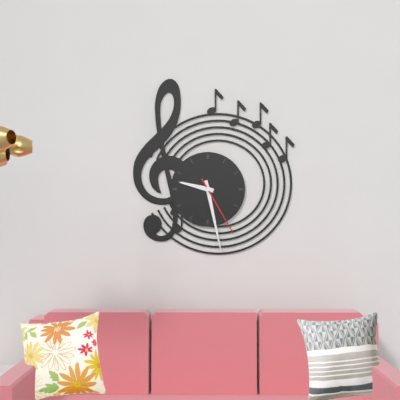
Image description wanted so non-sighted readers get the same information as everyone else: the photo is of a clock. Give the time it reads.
9:28:25
